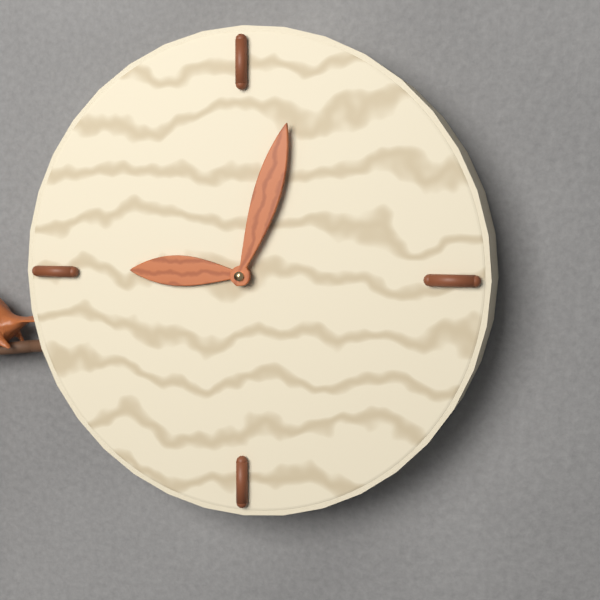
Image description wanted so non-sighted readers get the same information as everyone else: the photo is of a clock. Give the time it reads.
9:03
